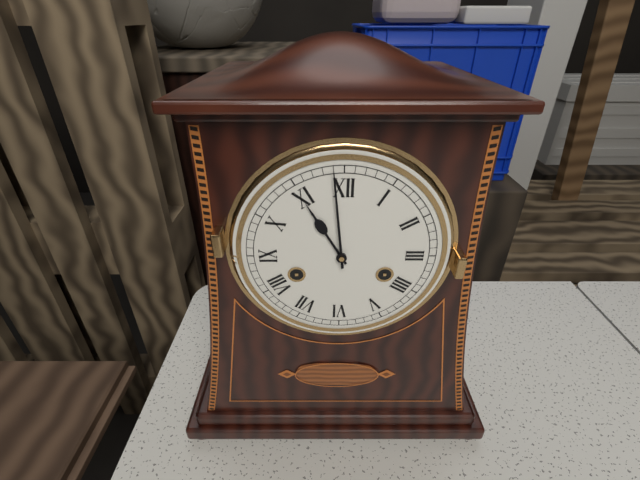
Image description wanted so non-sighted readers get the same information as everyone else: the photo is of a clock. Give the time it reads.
10:59
